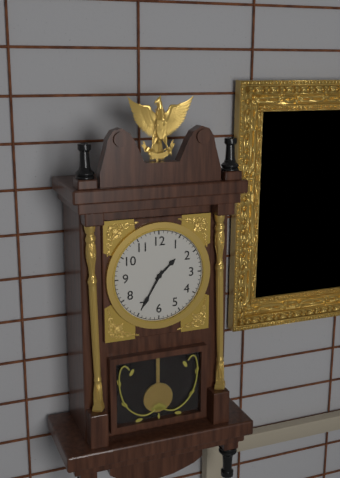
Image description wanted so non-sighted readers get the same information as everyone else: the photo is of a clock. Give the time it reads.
1:35
